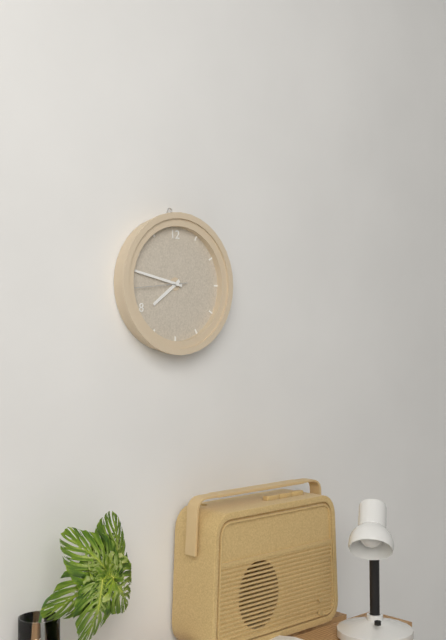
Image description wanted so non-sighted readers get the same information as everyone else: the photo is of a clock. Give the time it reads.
7:47:44
